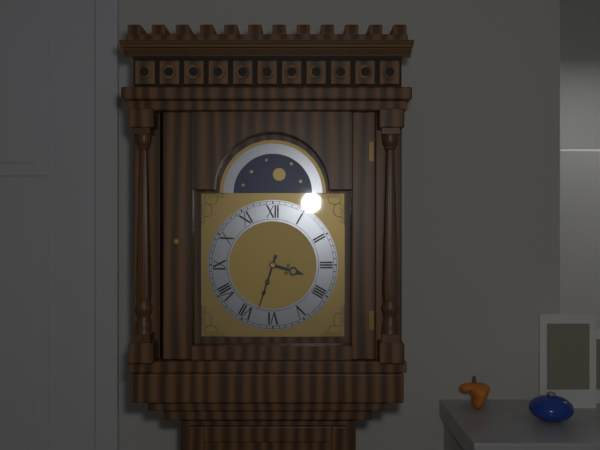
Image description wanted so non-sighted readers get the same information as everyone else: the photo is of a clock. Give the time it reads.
3:33
